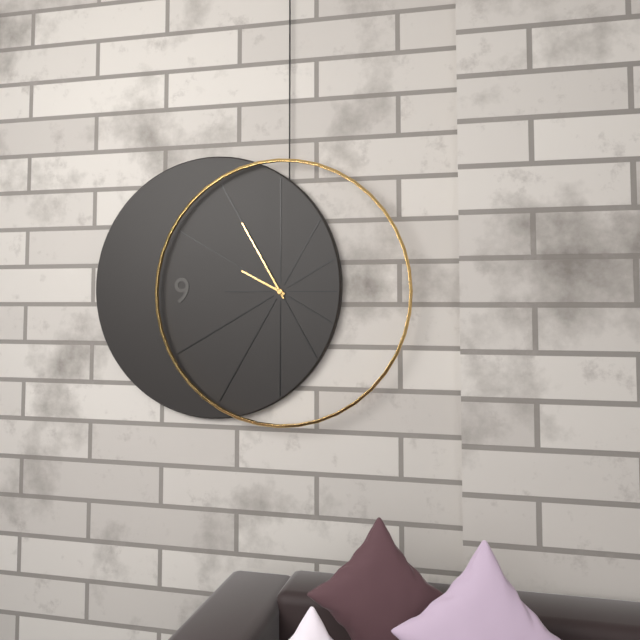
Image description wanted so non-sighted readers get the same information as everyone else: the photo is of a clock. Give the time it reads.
9:55
